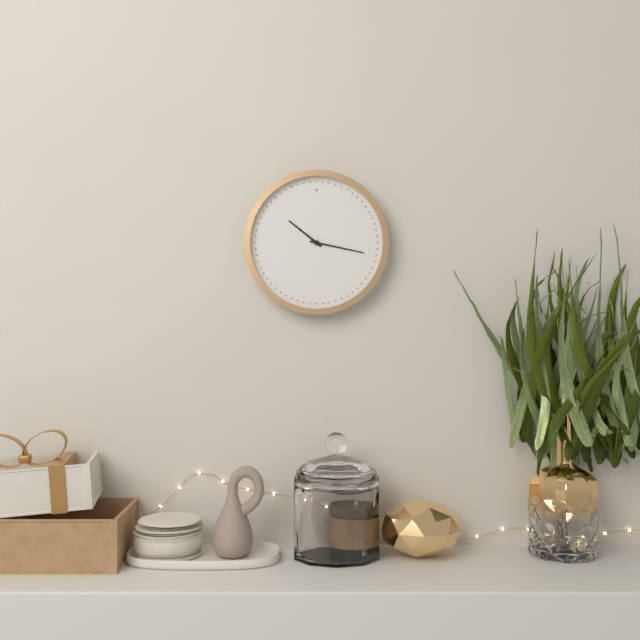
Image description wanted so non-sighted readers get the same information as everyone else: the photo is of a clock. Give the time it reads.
10:17
